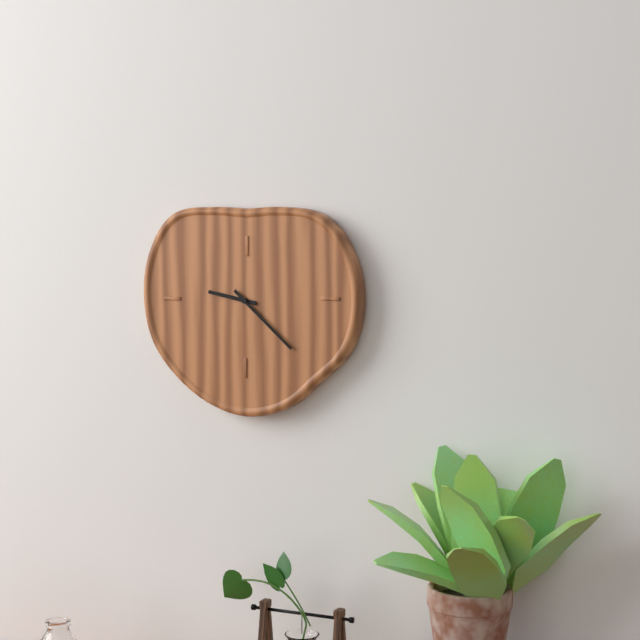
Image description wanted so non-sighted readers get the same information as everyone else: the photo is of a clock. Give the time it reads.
9:22
